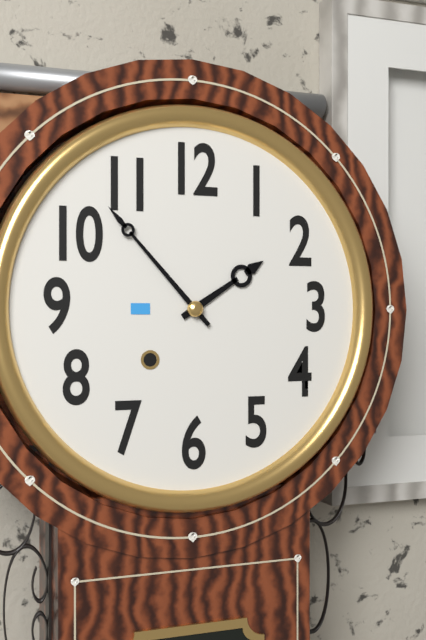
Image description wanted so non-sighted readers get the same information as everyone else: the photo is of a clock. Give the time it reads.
1:53
